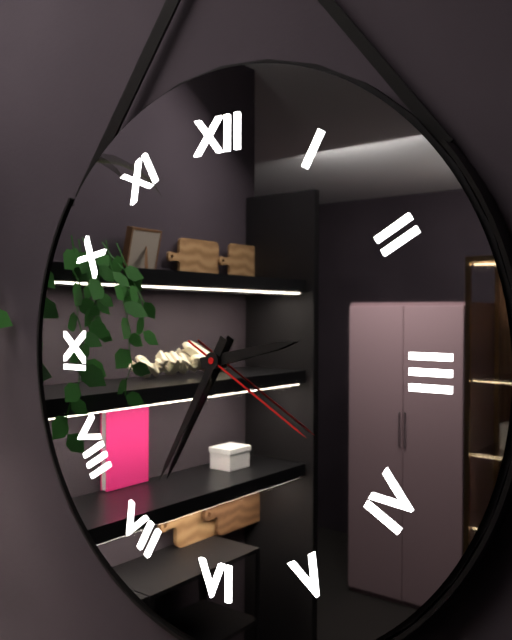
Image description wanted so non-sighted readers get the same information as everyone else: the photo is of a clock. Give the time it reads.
2:35:20
